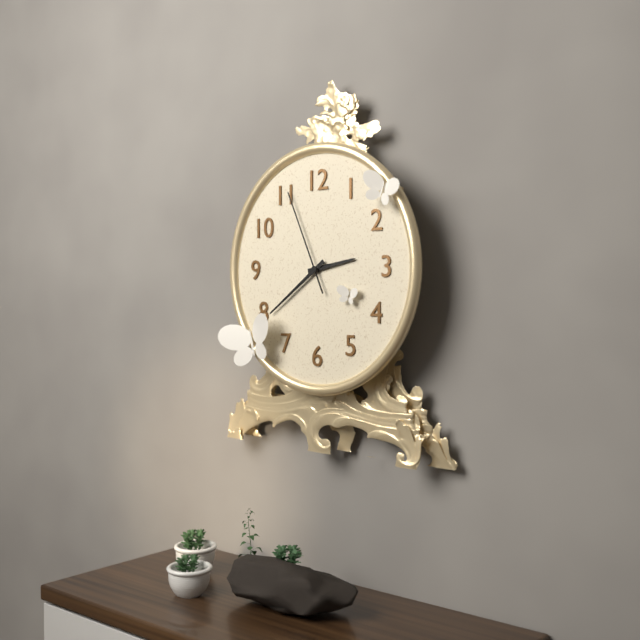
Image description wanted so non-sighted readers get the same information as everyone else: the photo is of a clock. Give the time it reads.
2:39:56
